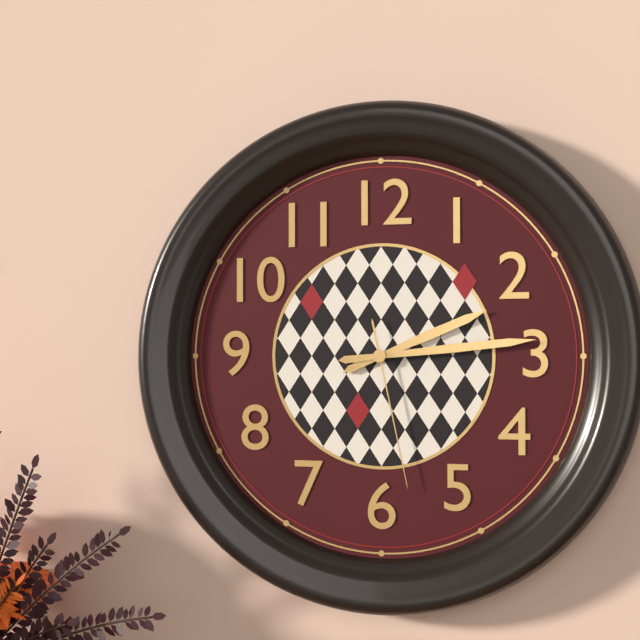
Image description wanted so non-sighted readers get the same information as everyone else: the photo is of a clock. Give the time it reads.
2:14:28
